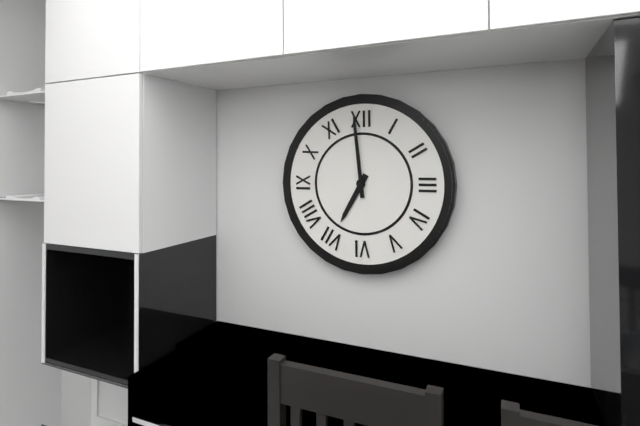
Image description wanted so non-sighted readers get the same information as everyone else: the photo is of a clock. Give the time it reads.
6:59
